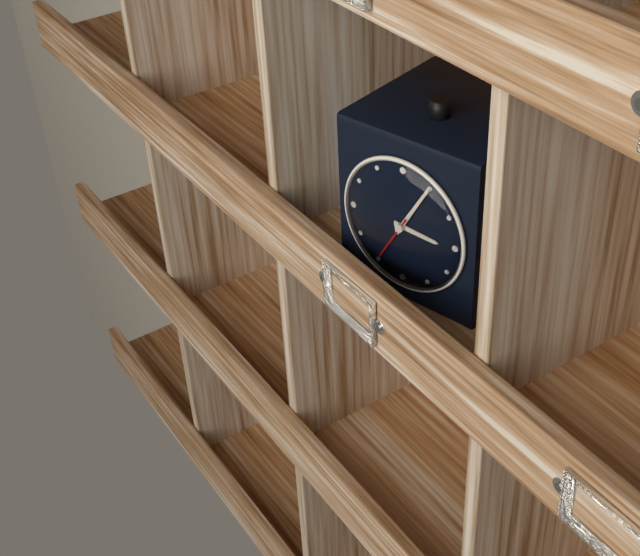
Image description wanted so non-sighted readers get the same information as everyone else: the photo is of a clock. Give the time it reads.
3:05
